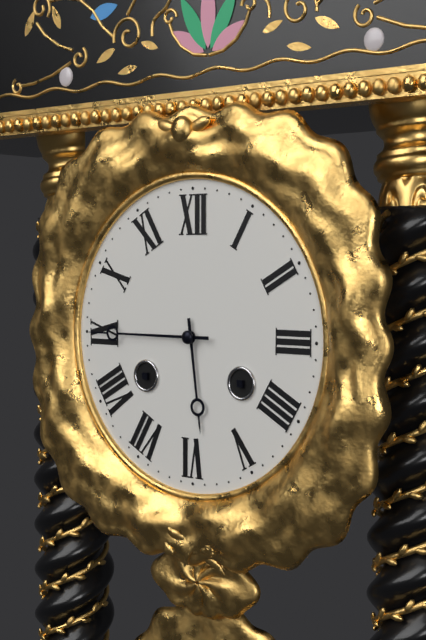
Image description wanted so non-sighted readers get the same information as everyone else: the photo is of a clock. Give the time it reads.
5:45
